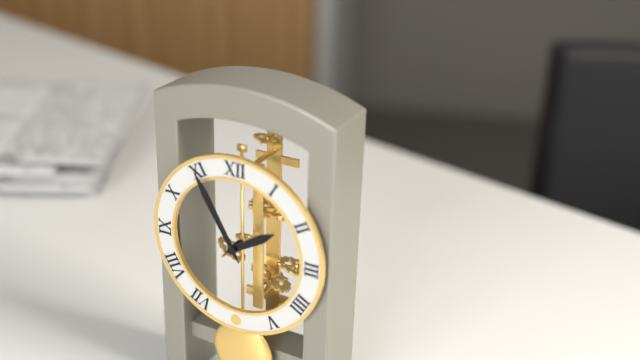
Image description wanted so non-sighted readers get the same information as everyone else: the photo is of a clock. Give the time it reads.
1:55
